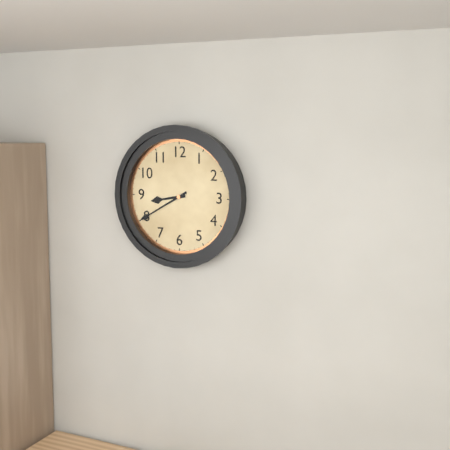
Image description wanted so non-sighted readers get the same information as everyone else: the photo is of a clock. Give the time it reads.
8:40
